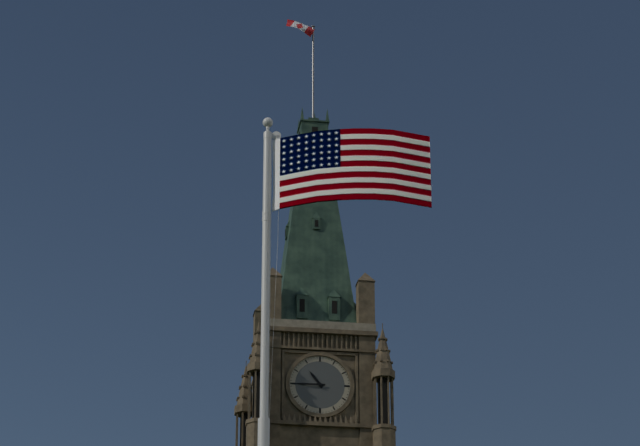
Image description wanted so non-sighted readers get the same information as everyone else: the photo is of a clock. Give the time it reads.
10:45
